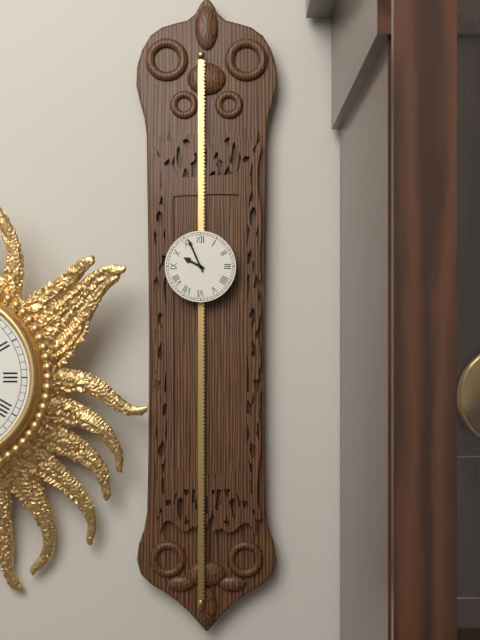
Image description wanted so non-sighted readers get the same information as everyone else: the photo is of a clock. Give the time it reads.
9:56
